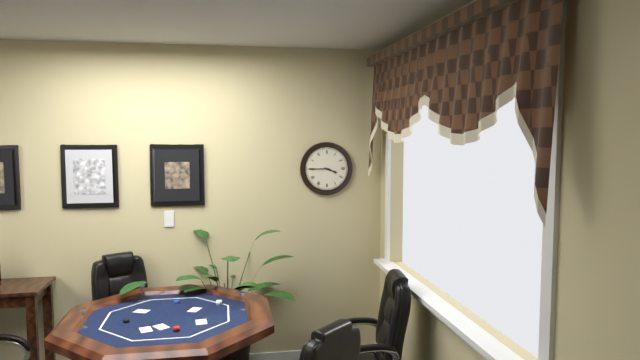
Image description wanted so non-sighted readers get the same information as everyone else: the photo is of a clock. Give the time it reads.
3:45
